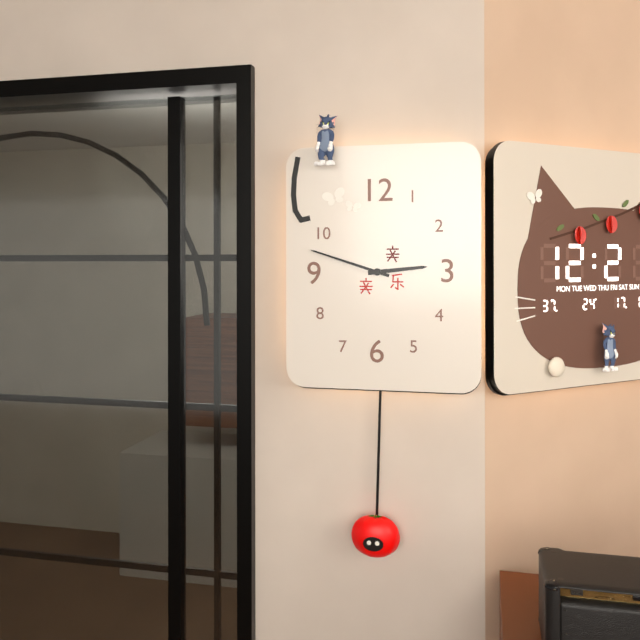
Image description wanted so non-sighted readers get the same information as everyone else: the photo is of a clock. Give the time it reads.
2:48
